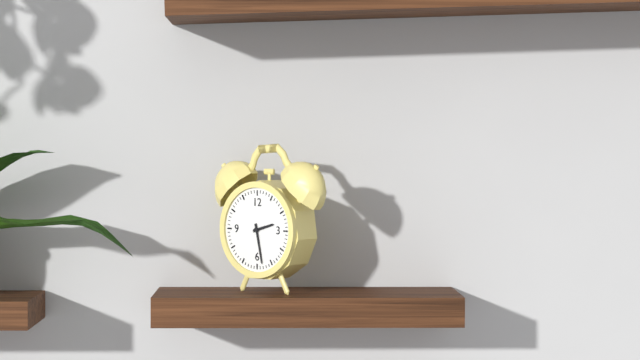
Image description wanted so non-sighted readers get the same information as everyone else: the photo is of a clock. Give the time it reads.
2:28
